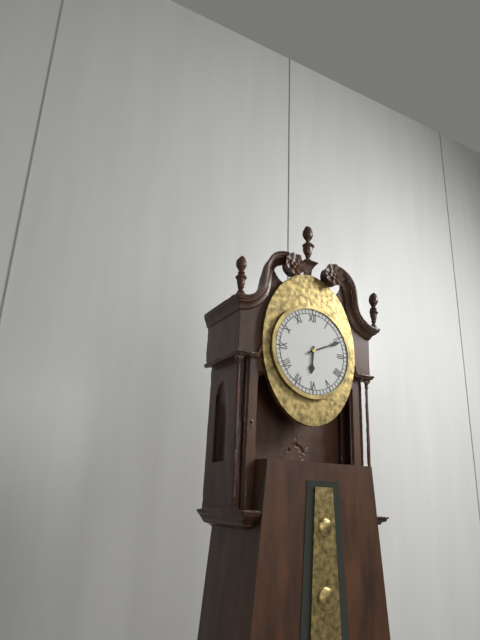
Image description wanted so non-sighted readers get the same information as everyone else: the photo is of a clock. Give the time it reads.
6:11
